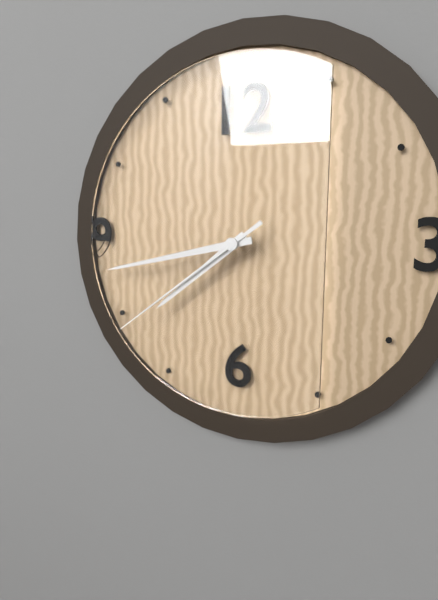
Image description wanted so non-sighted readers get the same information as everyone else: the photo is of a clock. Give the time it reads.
7:43:39
